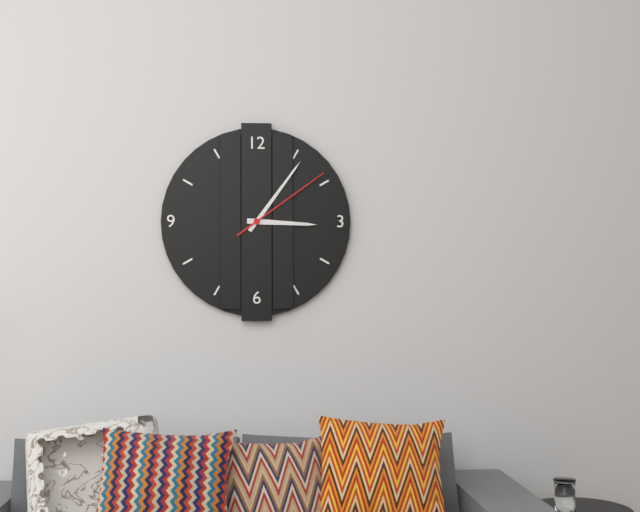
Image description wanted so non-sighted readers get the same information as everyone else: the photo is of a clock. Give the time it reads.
3:06:09
